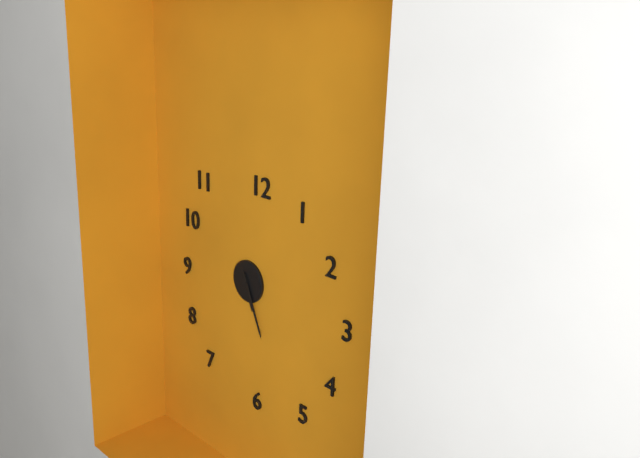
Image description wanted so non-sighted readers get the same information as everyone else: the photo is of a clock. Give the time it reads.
5:26
